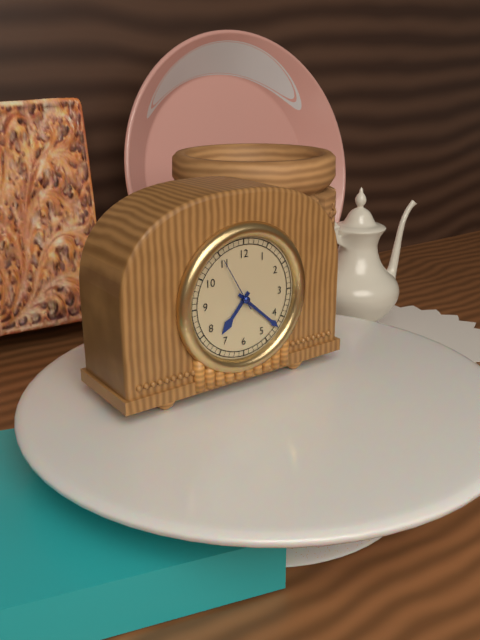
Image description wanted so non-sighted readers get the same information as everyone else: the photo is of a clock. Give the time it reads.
7:22:55
